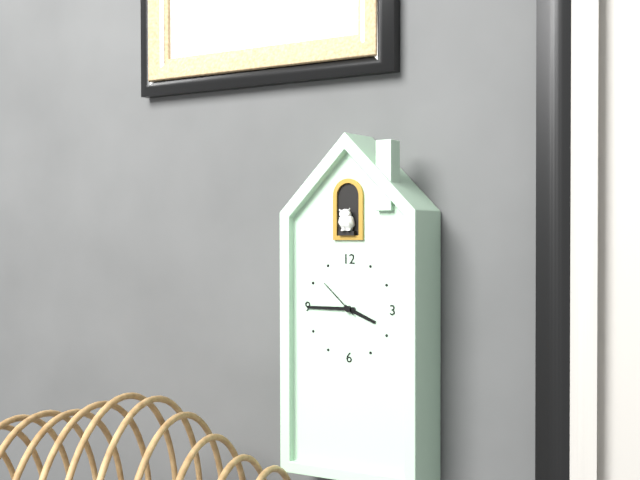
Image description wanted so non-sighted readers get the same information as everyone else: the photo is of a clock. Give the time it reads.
3:45
